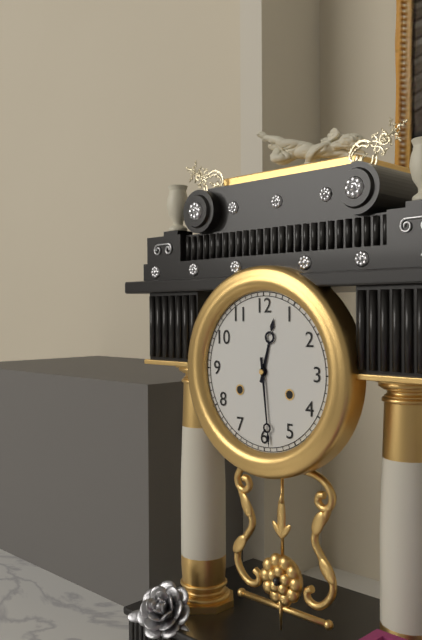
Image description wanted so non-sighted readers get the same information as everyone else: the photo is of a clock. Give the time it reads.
12:29
